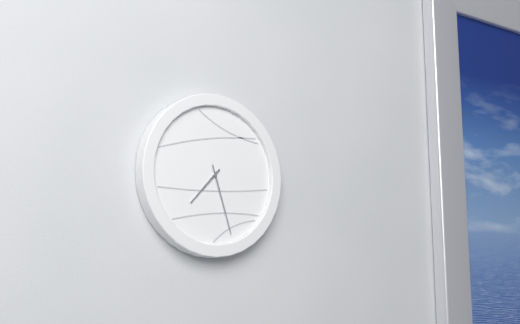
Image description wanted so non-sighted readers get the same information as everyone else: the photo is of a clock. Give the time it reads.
7:27
